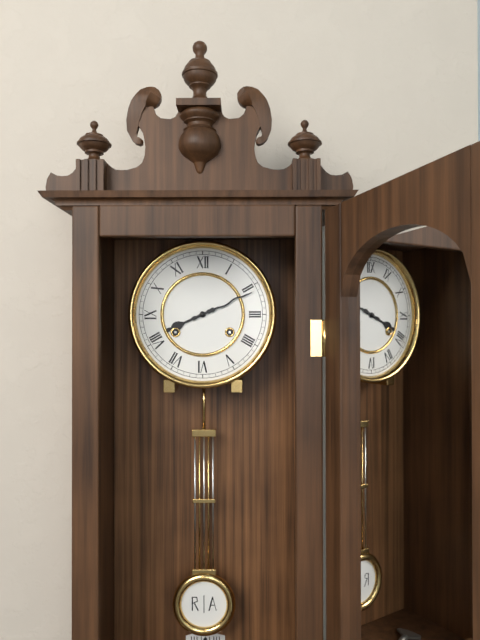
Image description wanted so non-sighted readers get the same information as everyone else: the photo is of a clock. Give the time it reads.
8:11
